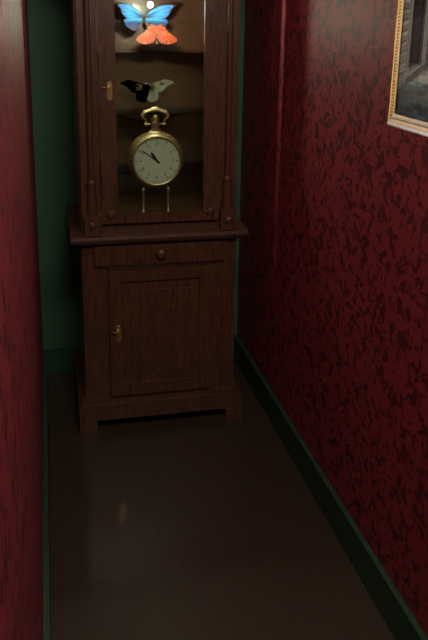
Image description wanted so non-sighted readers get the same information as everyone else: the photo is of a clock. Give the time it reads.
10:51
